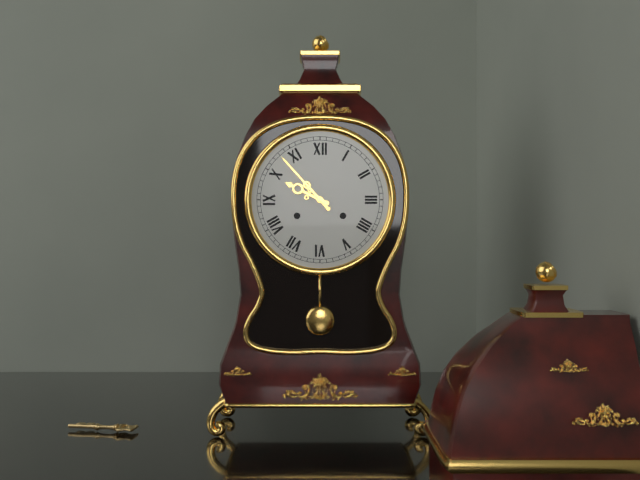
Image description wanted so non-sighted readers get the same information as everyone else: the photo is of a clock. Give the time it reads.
9:53
